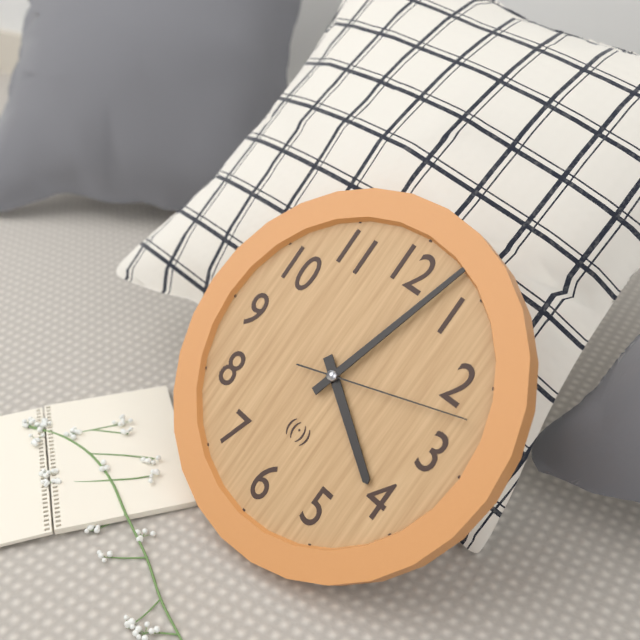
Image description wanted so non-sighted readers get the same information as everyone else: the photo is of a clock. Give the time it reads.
4:03:12
